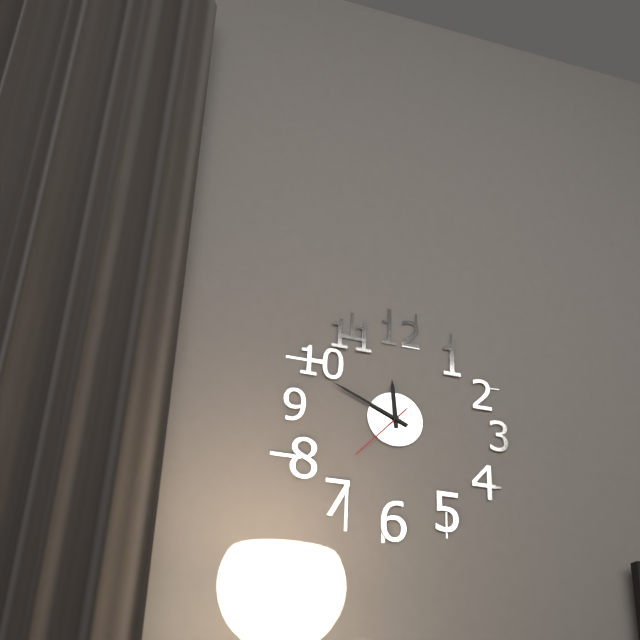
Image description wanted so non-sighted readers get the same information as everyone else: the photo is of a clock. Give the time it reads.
11:49:37
